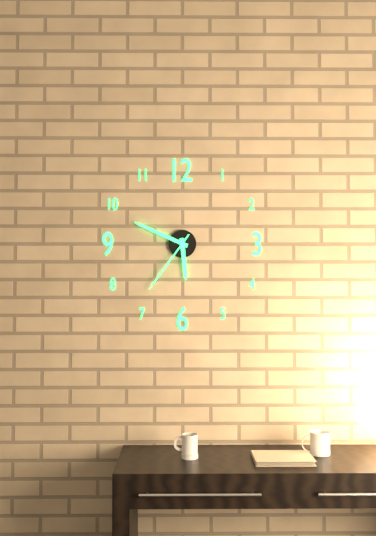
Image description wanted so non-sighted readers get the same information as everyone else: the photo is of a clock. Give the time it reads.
5:49:36
